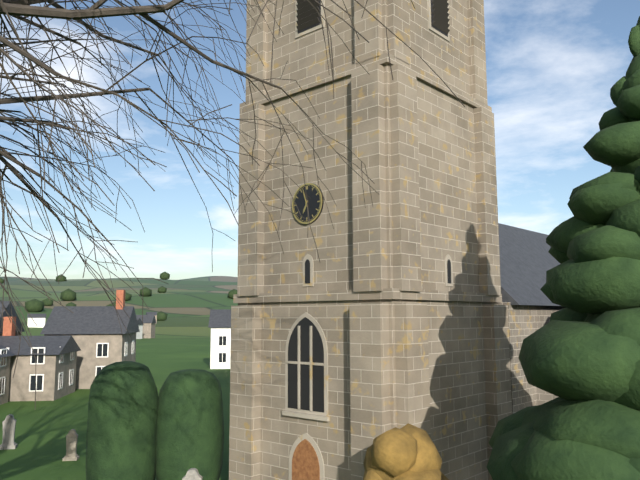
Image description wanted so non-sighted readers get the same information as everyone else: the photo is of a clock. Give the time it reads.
6:57
